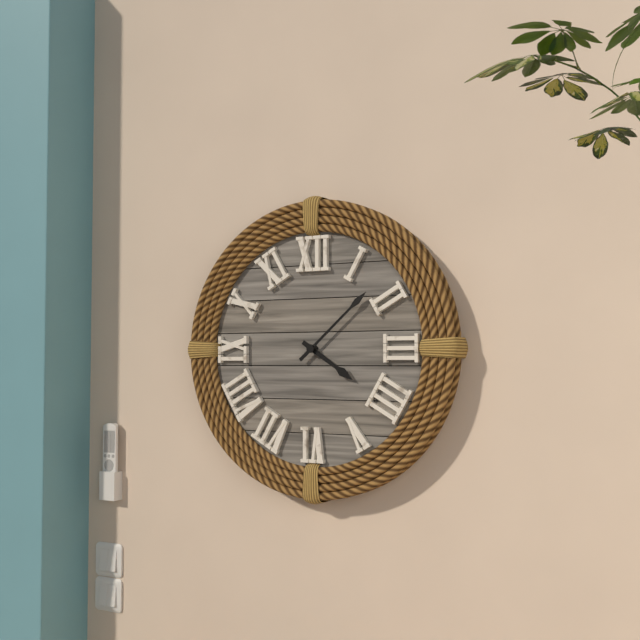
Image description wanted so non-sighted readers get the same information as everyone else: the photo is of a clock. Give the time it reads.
4:08
